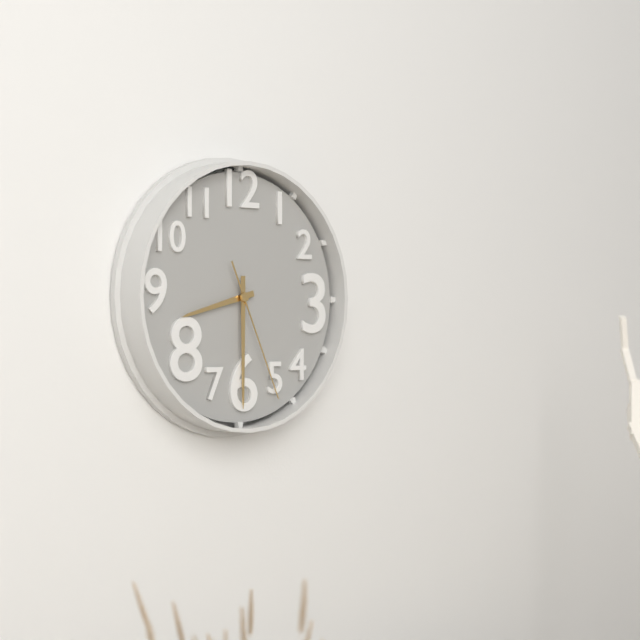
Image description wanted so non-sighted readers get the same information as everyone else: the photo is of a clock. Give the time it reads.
8:30:26
